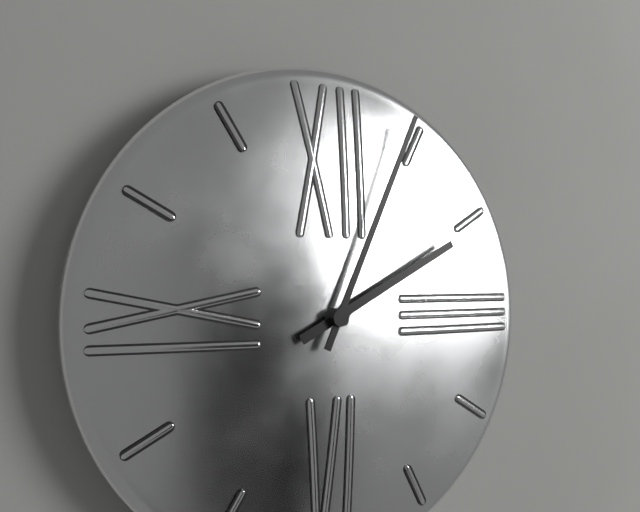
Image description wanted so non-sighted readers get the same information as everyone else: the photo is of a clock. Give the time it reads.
2:04
